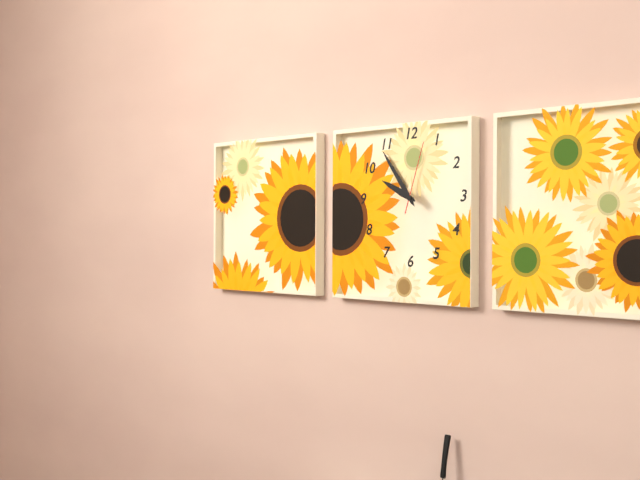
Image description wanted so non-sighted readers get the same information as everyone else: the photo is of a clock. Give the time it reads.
9:54:03
